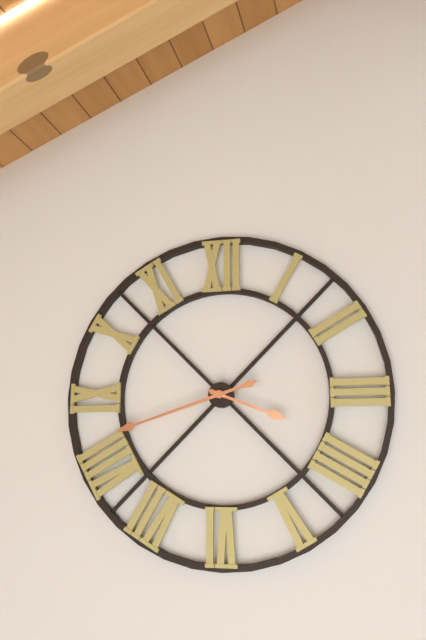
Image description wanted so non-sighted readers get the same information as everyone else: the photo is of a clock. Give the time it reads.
3:42
